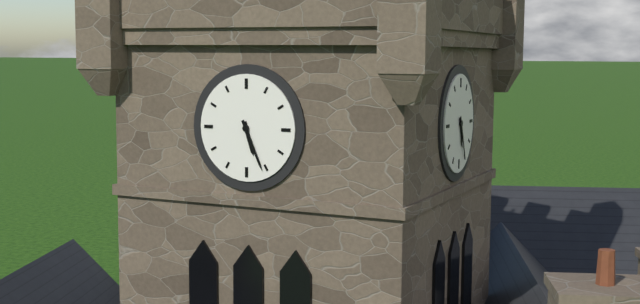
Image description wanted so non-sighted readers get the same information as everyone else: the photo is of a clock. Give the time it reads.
5:26
